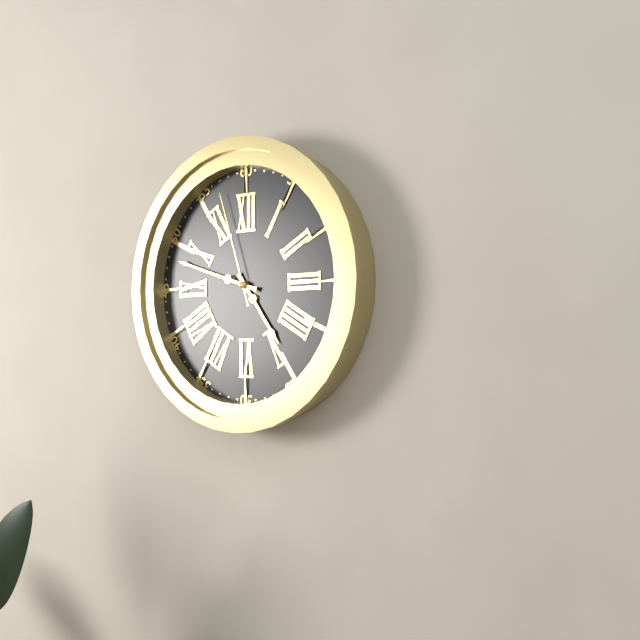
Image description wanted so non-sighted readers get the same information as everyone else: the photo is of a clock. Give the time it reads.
4:48:57
